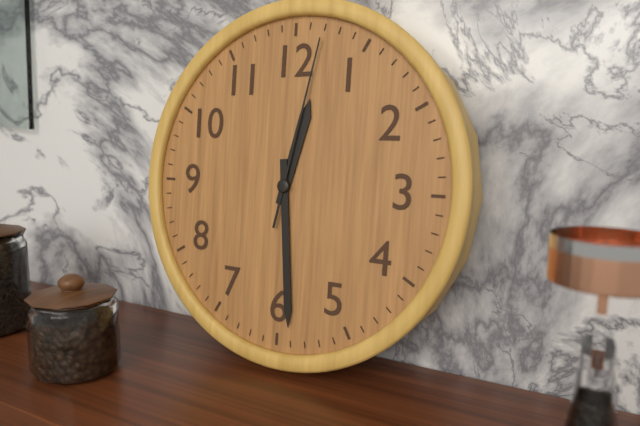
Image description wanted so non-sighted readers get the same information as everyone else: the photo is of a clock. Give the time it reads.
12:29:02
